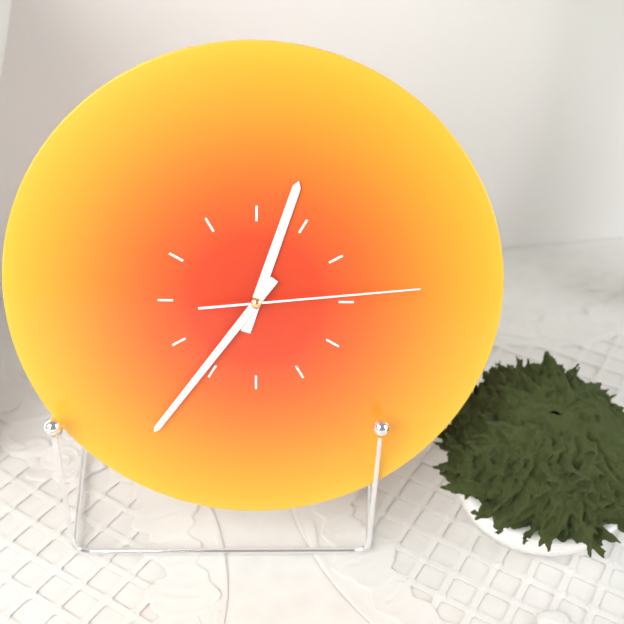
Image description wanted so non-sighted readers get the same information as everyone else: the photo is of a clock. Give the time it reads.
12:36:14
